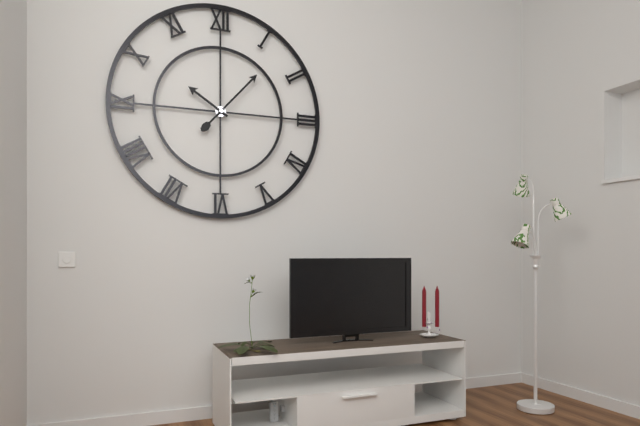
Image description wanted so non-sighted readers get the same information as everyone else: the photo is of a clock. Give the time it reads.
10:07
